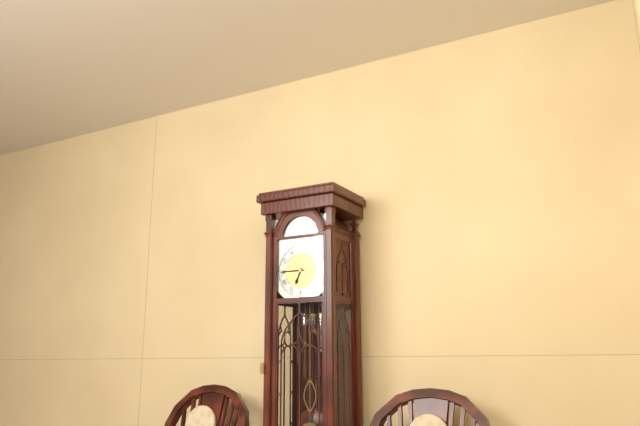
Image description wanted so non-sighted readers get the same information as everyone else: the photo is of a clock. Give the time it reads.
6:45
